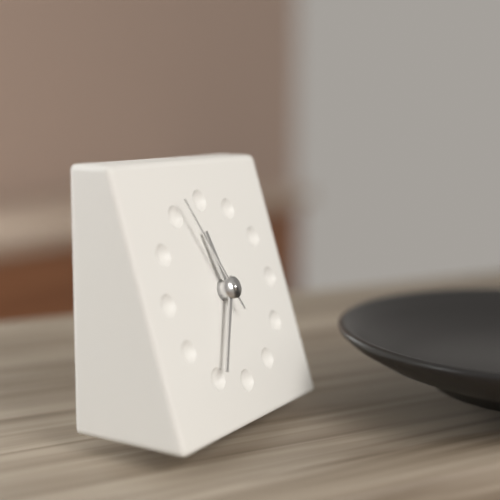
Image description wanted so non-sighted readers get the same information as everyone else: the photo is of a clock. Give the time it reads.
11:35:56
